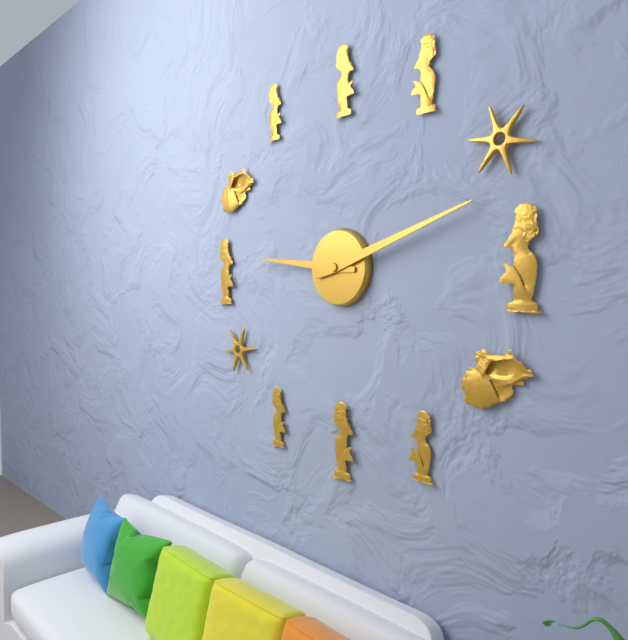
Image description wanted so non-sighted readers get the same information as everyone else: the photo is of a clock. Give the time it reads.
9:12
